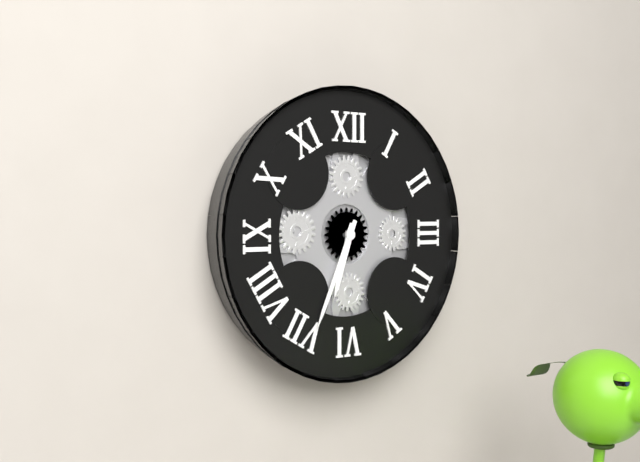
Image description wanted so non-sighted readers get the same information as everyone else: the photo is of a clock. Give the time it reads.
6:34
